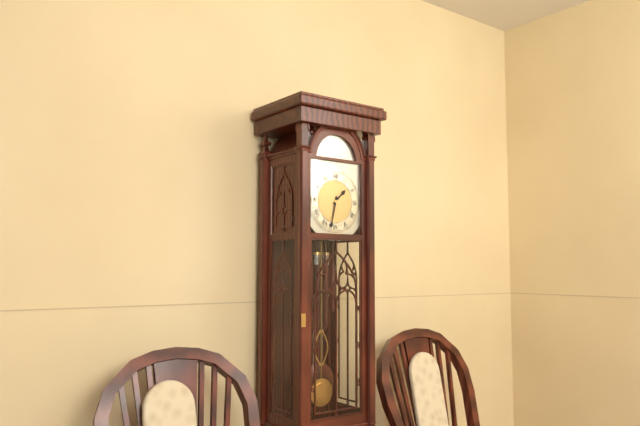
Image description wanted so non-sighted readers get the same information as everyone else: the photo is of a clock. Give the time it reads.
1:32
